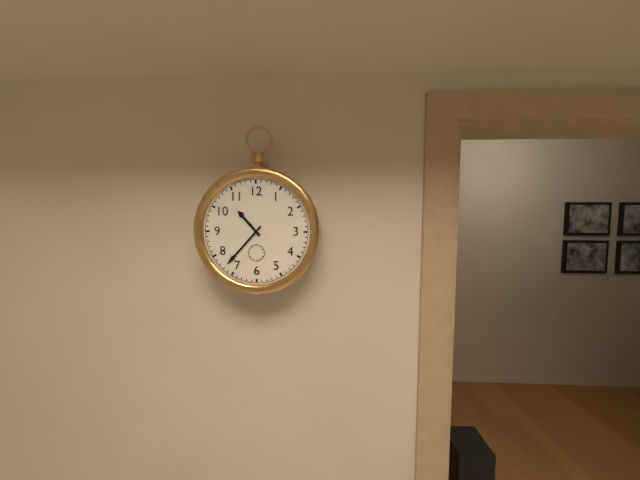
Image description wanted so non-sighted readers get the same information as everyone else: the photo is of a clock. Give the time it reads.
10:37
